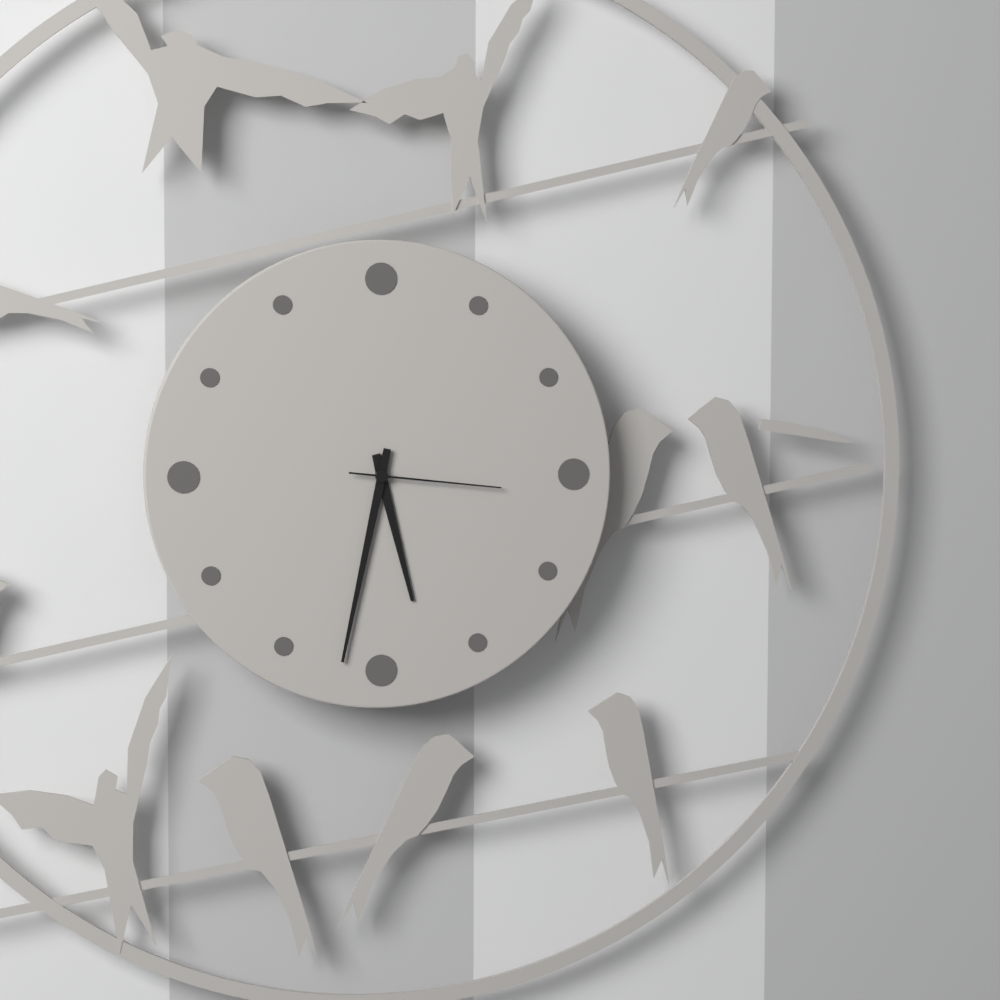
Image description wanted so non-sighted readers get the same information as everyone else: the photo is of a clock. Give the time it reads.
5:32:16
